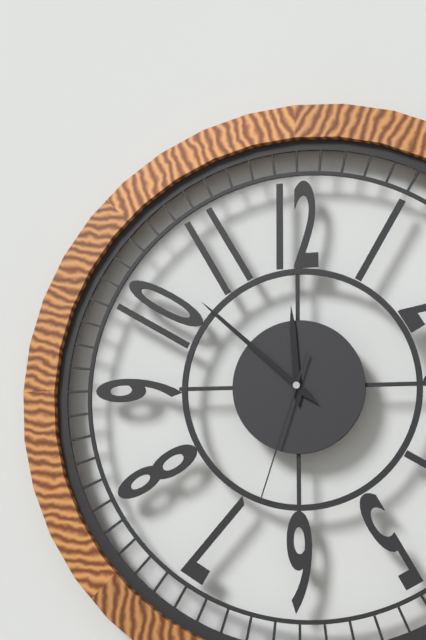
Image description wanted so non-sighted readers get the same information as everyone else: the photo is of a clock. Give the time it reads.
11:52:33
